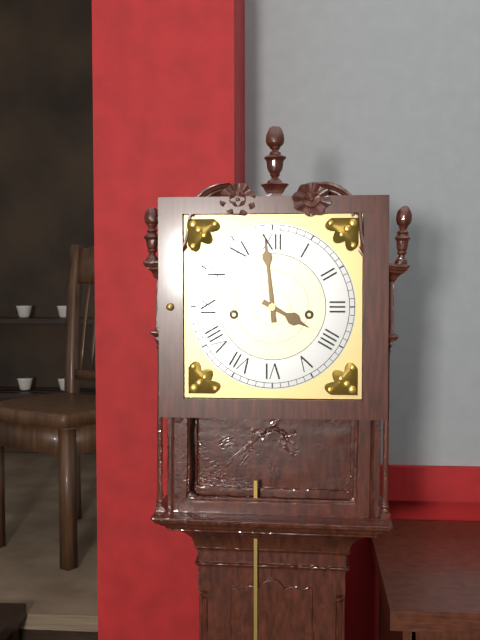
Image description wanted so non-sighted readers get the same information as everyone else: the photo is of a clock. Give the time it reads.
3:59
